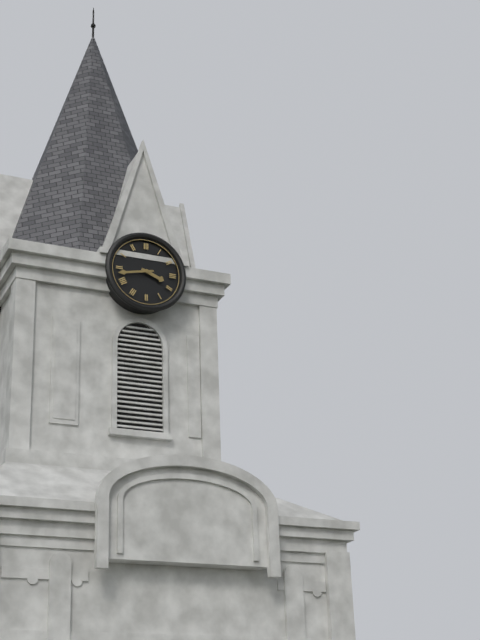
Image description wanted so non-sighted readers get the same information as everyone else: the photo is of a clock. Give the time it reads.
3:43
